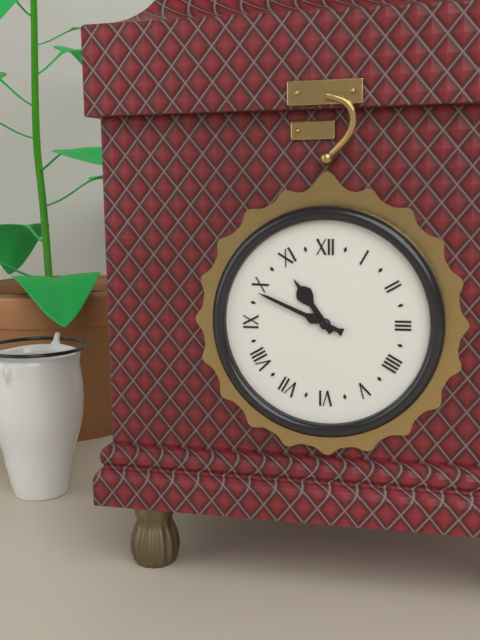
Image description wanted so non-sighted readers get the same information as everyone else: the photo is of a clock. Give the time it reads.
10:49
